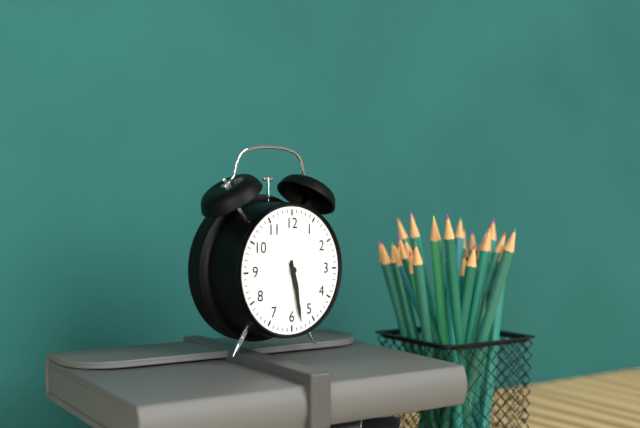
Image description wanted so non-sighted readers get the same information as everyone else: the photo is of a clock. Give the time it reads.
5:28
